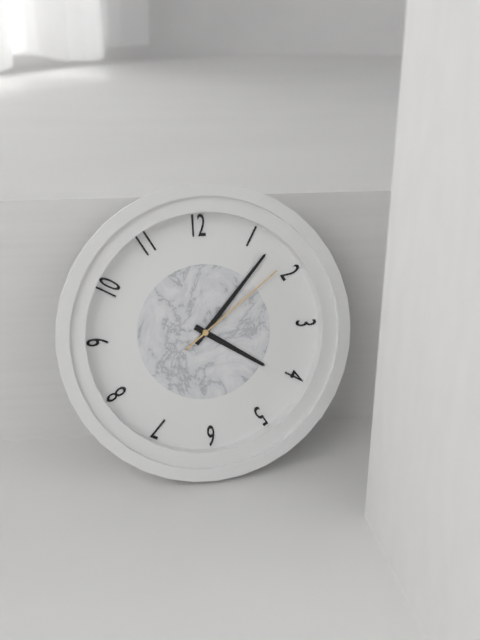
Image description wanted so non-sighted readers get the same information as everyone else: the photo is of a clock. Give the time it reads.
4:07:09
